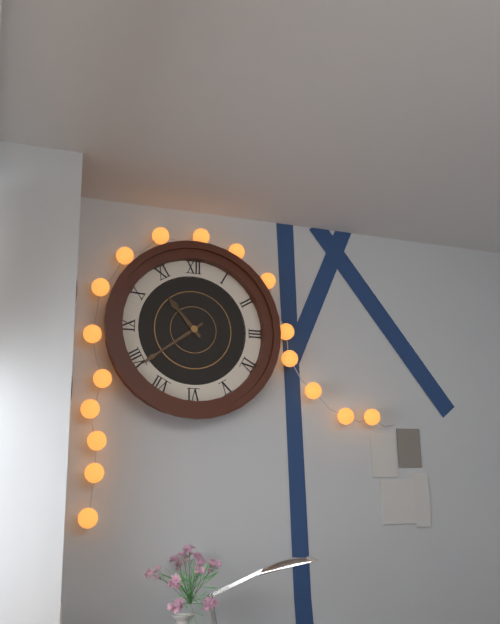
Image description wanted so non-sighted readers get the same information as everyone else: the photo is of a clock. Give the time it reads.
10:39
